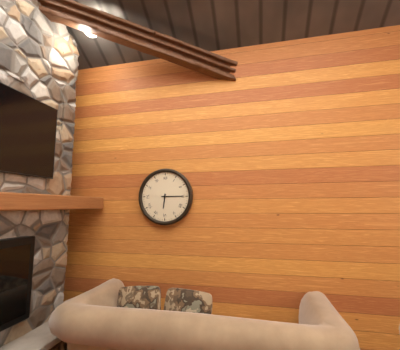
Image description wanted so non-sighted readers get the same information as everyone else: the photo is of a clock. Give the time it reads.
6:15
